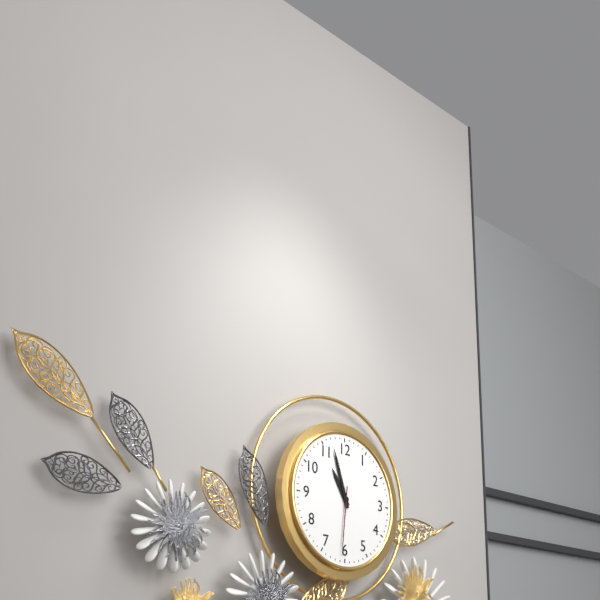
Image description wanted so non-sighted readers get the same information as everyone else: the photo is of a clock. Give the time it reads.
10:57:31
